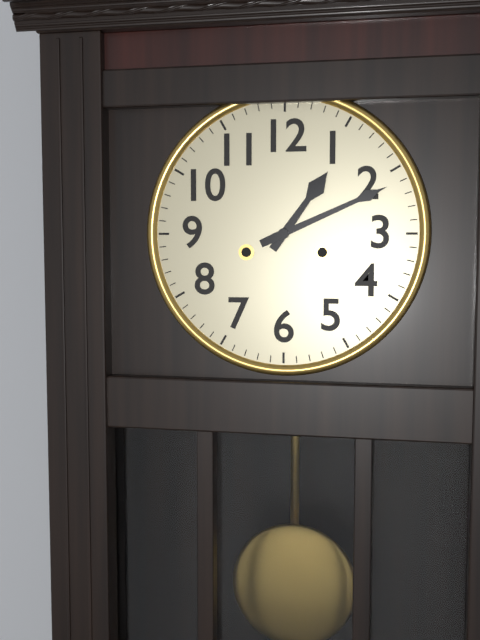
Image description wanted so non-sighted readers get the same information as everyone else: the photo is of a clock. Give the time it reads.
1:11
